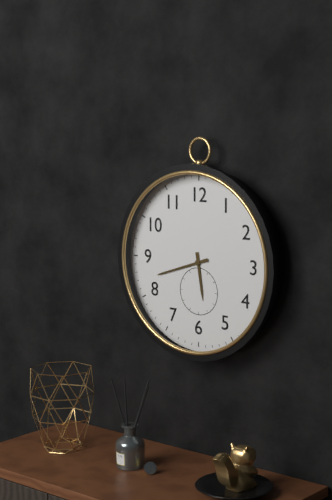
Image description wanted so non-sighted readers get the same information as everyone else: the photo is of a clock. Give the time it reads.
5:42
